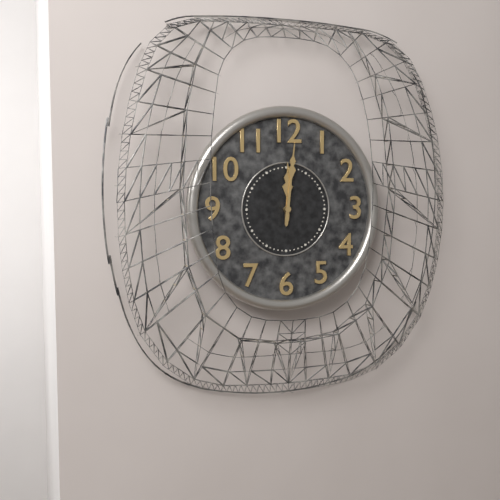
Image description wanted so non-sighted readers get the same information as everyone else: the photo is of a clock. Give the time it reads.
12:01
